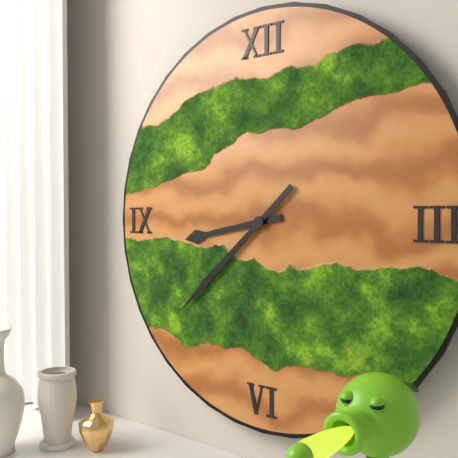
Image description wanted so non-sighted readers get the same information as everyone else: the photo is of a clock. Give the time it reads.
8:38
